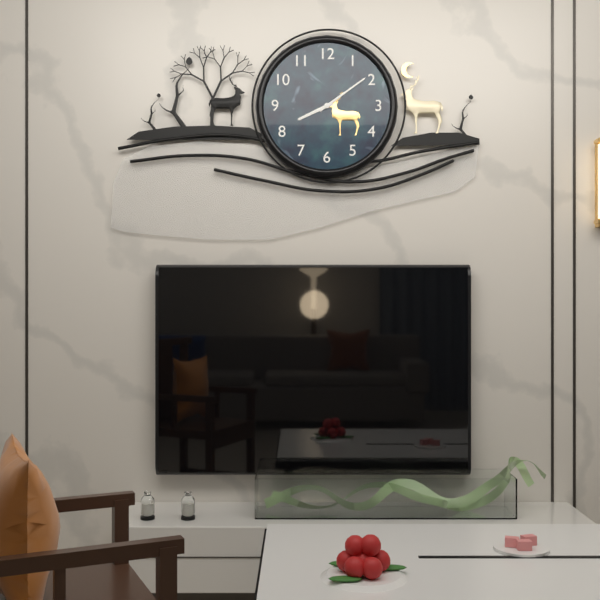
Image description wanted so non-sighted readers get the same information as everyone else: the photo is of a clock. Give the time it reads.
8:09
